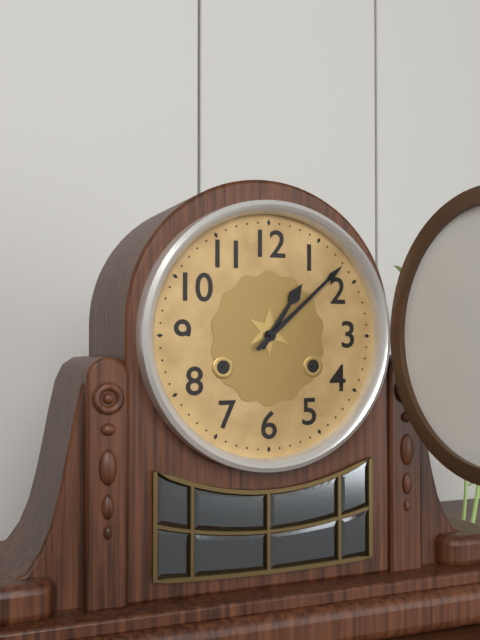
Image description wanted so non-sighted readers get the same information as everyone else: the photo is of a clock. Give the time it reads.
1:08
